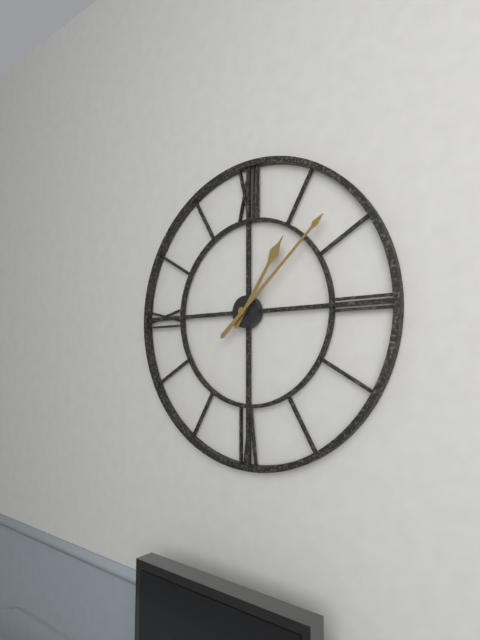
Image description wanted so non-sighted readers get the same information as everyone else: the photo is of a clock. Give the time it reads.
1:08
